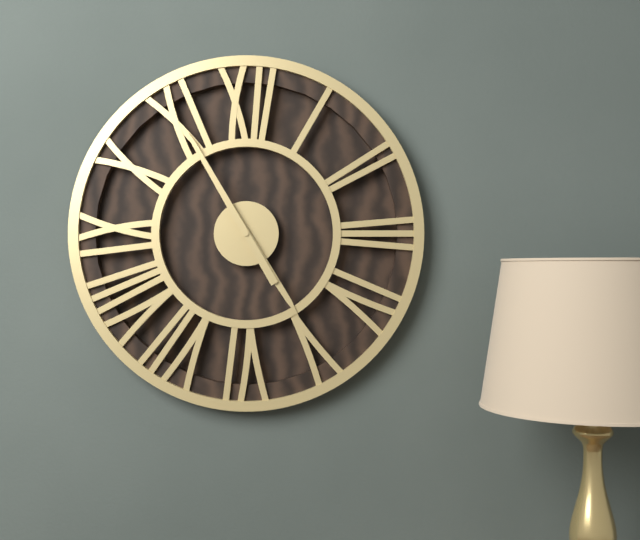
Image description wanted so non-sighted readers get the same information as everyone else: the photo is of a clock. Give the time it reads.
4:55
